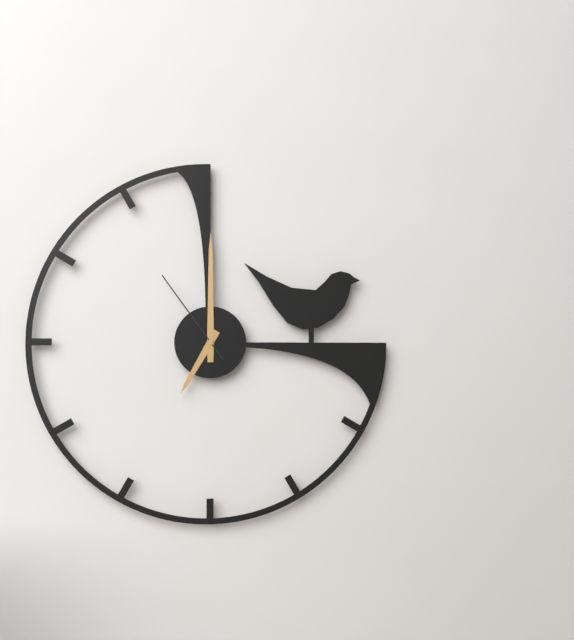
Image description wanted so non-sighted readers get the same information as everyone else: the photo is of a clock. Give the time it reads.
7:00:54
